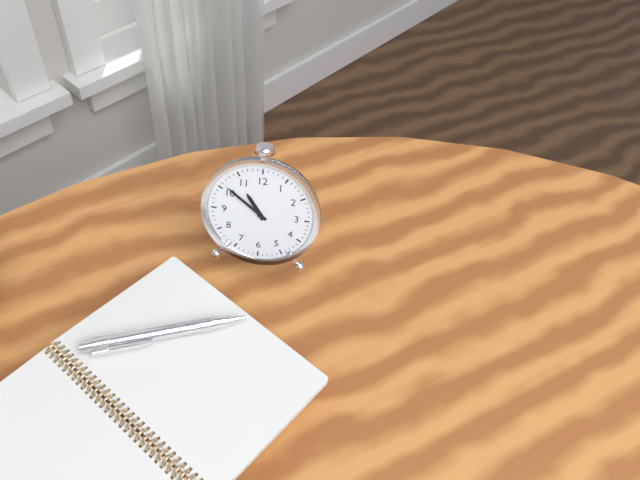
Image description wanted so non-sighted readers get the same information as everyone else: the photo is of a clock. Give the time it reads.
10:51
